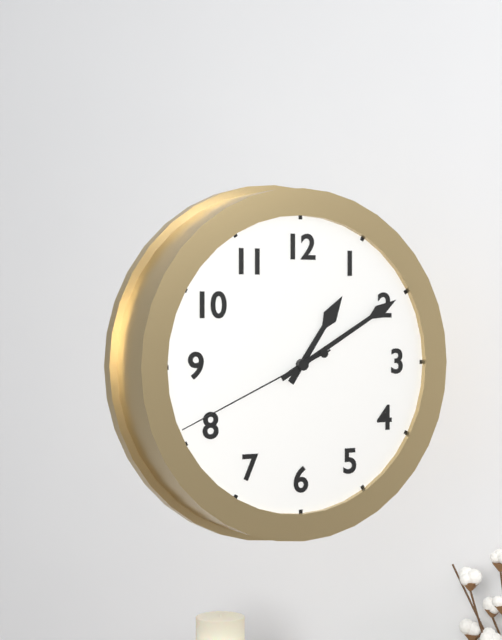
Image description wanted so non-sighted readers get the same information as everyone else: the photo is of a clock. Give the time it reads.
1:10:41
